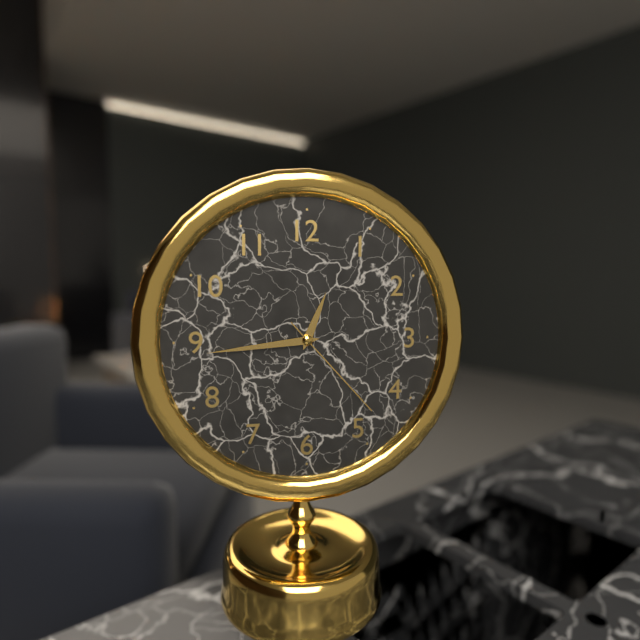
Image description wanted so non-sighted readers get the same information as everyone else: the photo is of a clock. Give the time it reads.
12:44:23
